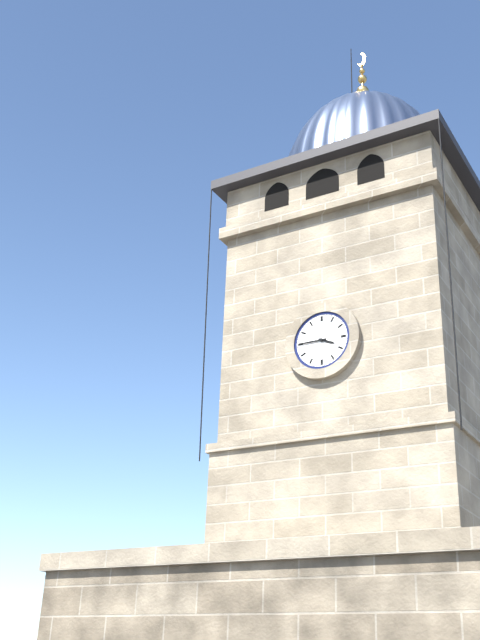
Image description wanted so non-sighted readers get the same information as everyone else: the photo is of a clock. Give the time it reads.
3:45
